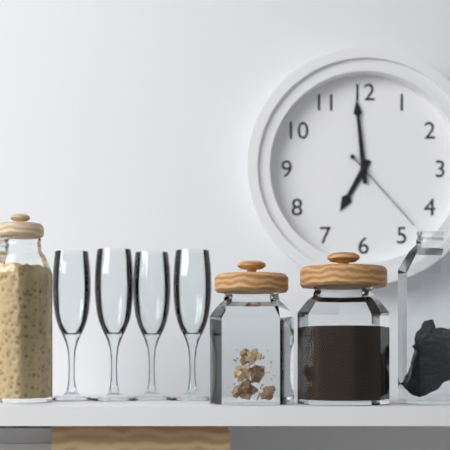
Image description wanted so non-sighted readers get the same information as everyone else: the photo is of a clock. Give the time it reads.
6:59:23
